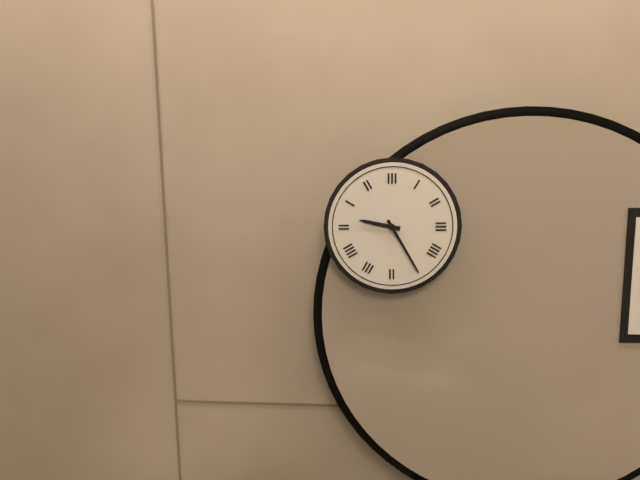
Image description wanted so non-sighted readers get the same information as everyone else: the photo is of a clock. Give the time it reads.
9:25
